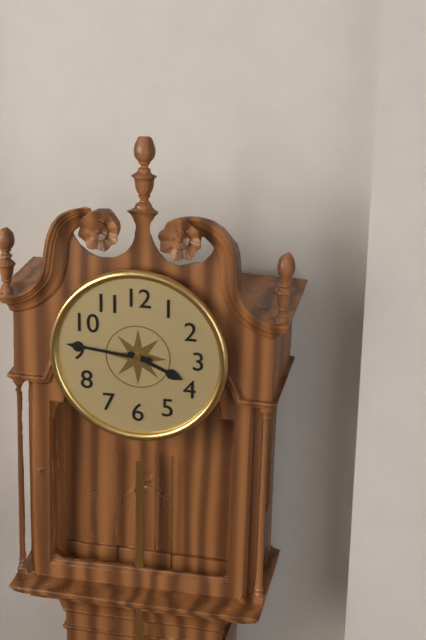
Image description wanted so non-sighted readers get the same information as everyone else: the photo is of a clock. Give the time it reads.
3:46
